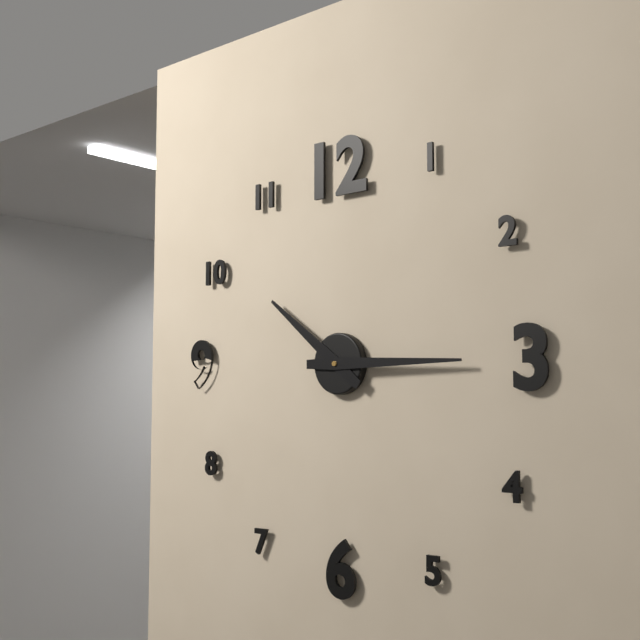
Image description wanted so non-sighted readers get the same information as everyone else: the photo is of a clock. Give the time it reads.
10:15
